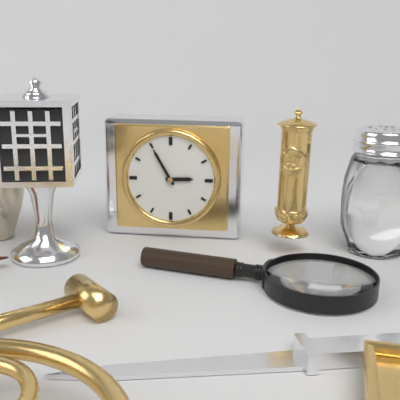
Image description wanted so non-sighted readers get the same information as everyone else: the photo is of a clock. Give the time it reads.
2:55
